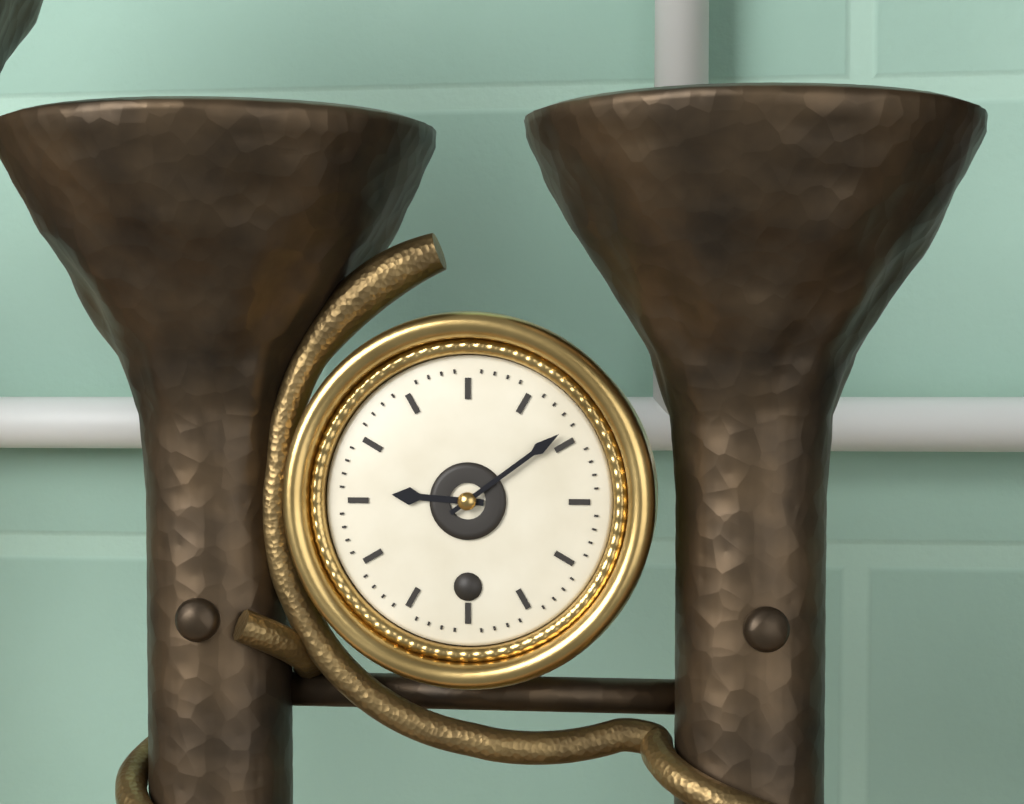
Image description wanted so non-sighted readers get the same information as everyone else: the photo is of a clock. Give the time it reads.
9:09
